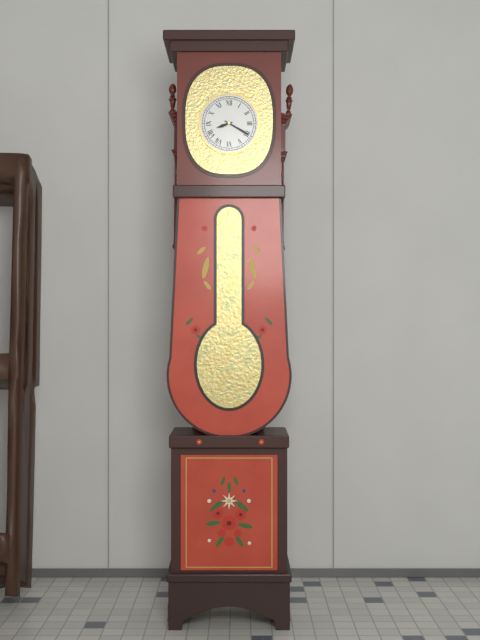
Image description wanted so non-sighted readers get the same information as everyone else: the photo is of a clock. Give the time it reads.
8:20
